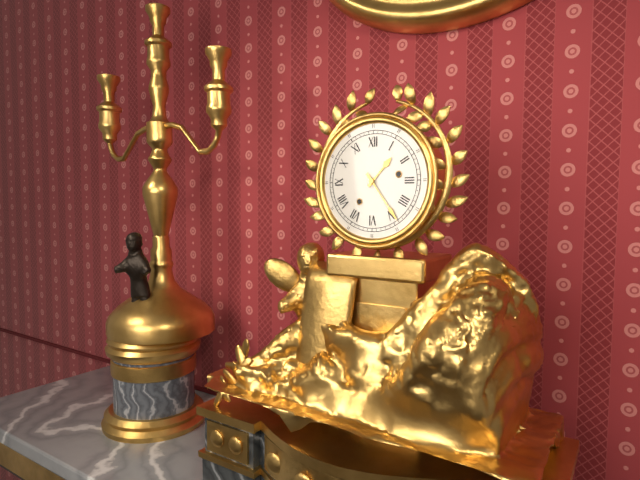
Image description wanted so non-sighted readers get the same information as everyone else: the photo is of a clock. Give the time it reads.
1:24
